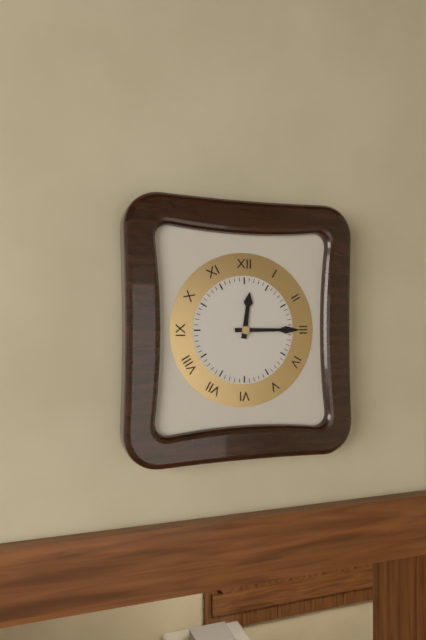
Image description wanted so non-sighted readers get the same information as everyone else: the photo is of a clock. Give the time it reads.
12:15
